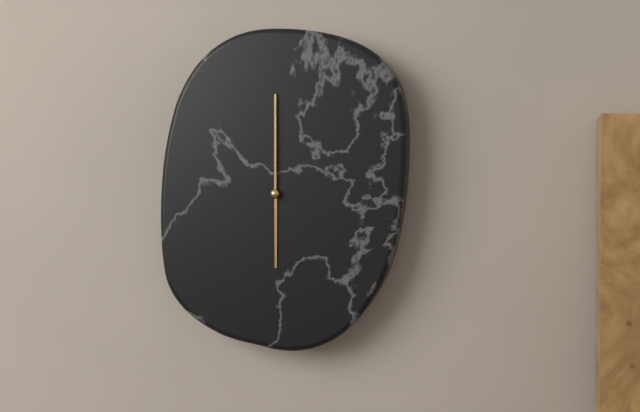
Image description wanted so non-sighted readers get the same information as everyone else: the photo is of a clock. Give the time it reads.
6:00
